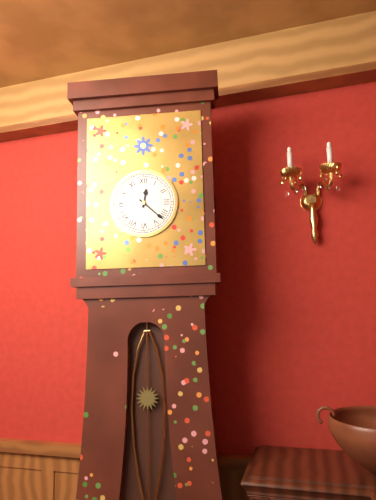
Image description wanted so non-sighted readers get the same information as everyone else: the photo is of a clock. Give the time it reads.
12:22
